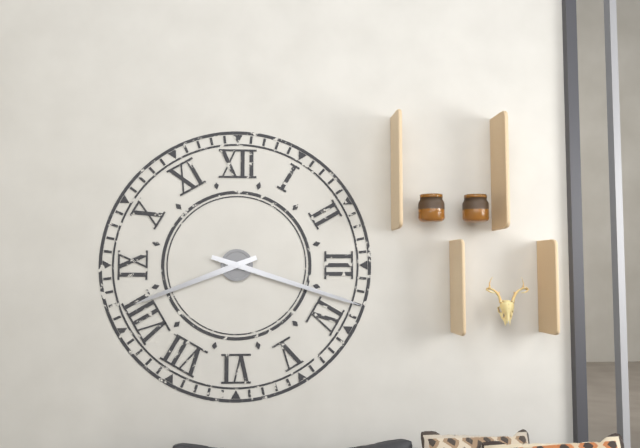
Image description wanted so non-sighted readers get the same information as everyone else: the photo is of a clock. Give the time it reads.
8:18
